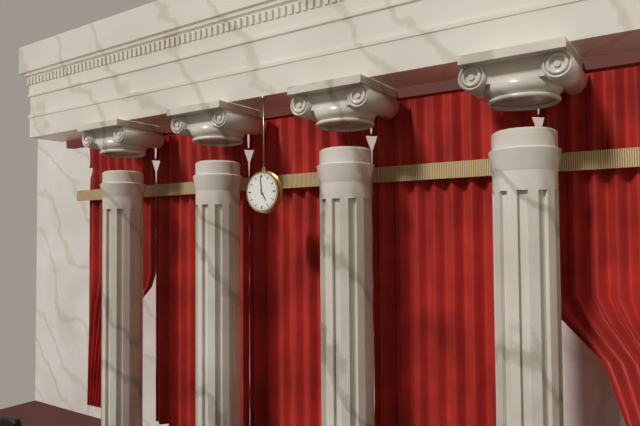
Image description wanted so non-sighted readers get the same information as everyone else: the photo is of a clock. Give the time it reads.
4:59
